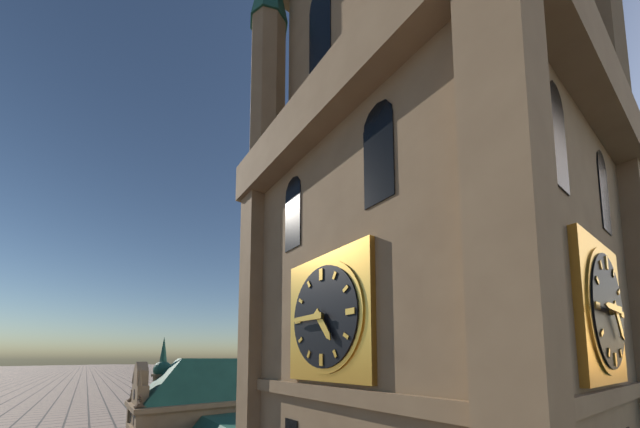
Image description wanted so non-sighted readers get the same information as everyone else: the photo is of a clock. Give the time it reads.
4:45
